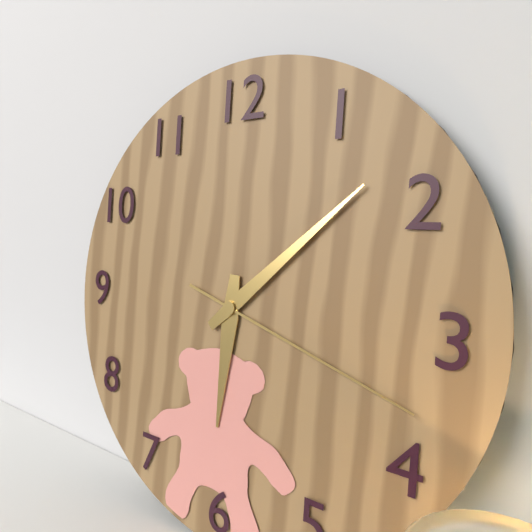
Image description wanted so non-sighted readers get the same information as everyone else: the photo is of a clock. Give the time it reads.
6:08:18
